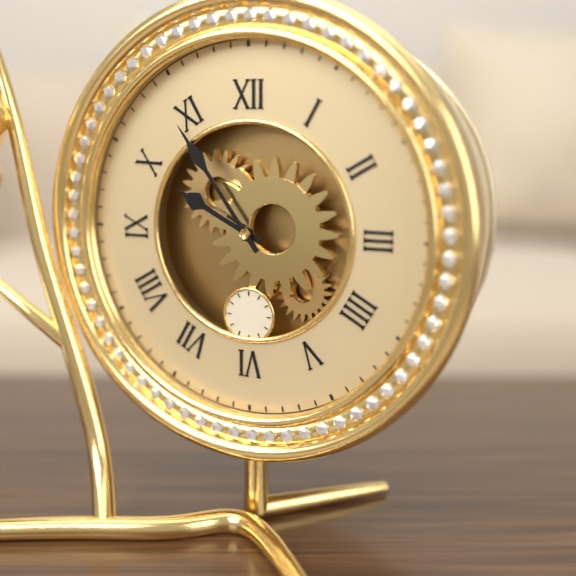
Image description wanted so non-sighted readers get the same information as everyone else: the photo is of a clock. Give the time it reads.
9:54
